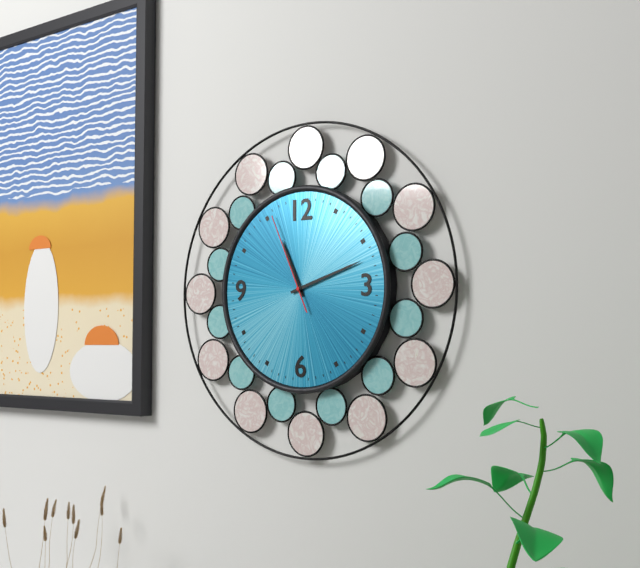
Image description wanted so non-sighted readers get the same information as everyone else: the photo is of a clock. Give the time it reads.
11:12:56
